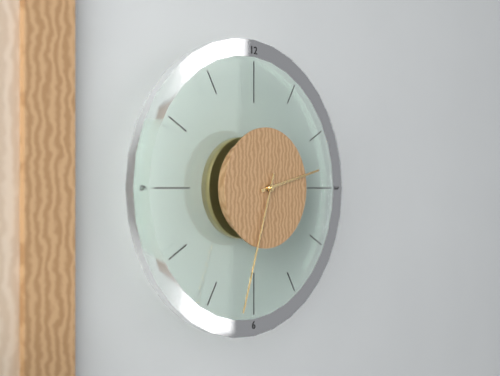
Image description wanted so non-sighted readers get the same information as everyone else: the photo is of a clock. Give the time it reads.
2:33
